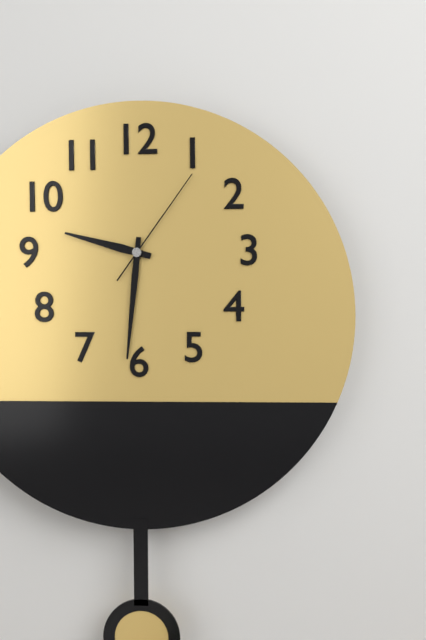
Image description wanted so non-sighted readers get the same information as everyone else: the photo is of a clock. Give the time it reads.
9:31:06
